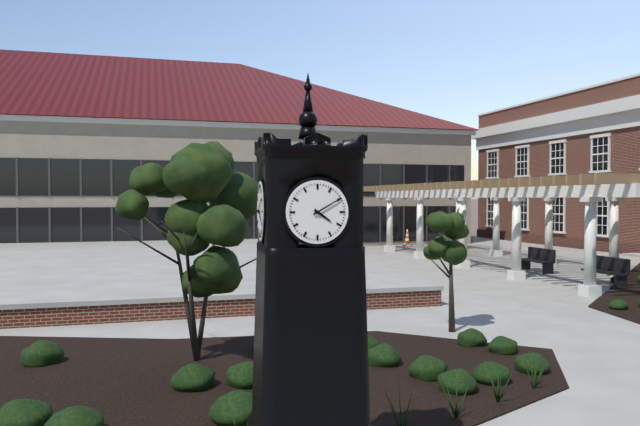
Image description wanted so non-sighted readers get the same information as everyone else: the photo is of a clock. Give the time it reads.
4:10
